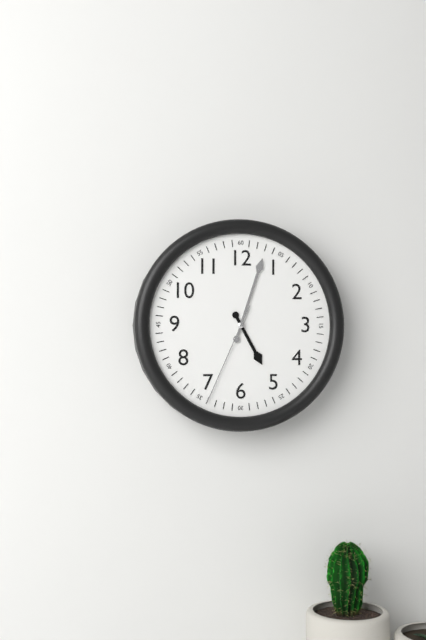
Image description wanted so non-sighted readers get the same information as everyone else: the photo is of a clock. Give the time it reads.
5:03:34
